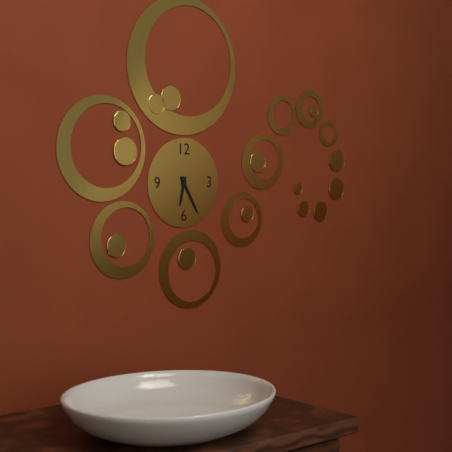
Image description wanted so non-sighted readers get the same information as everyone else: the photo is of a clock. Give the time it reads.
6:25
